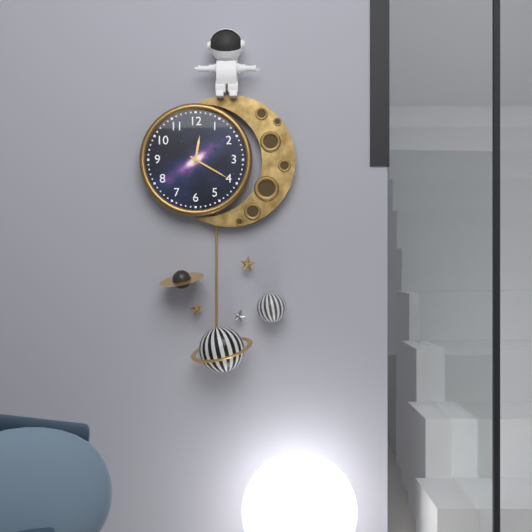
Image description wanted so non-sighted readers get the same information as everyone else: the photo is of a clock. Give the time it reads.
12:20
